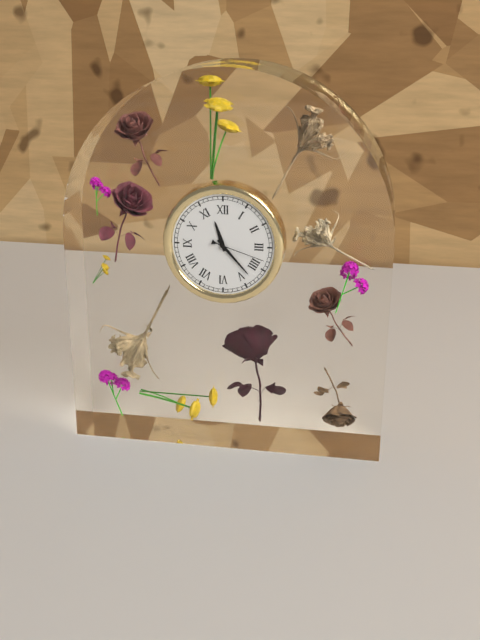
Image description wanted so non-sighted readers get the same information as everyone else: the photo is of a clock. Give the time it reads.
11:23:18
